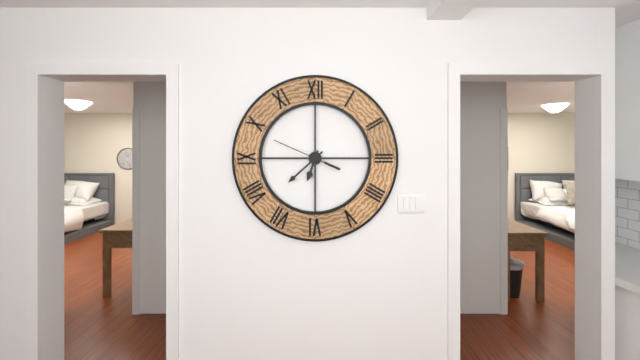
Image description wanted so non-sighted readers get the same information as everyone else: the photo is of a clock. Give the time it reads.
6:38:49
